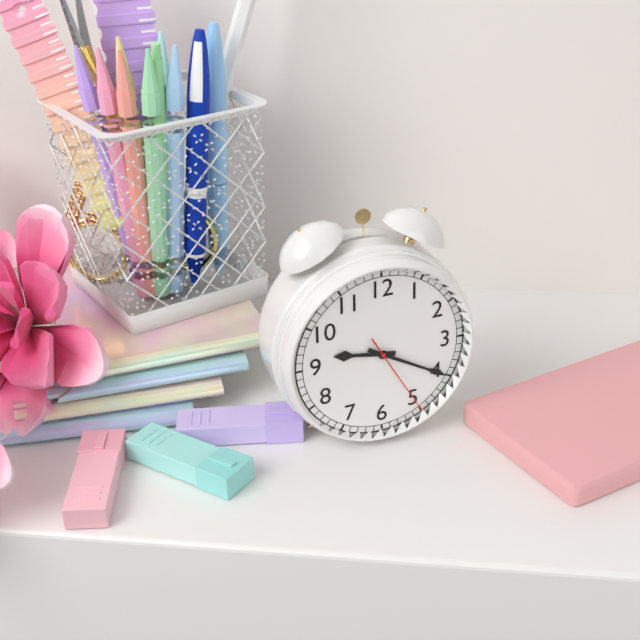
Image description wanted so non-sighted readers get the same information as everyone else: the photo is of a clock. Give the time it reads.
9:20:25
